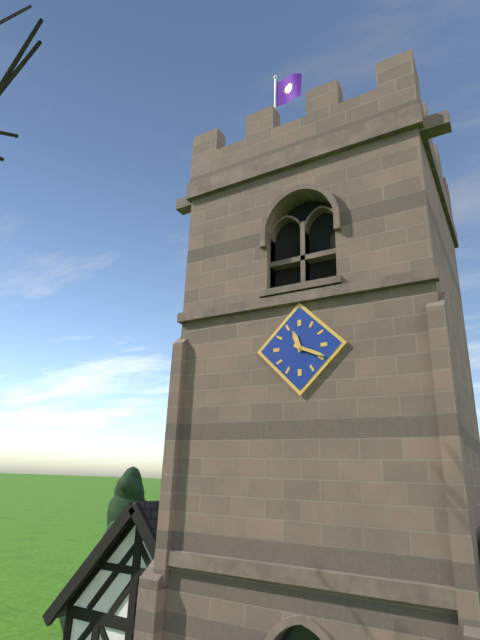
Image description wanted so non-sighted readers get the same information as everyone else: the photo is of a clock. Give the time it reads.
11:19
